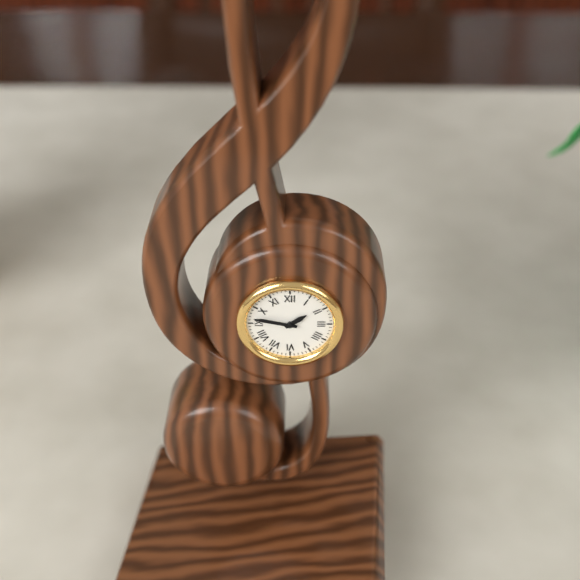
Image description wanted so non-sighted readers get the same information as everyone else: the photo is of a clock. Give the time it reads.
1:47
